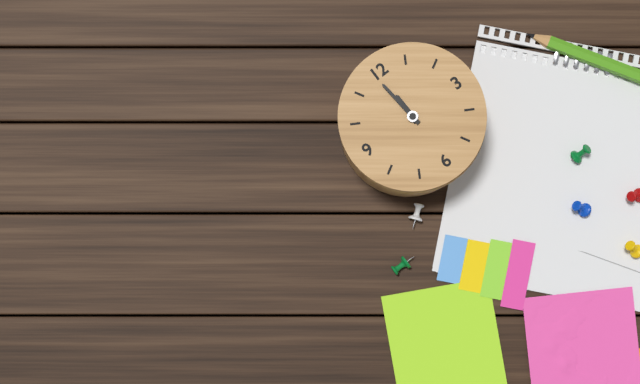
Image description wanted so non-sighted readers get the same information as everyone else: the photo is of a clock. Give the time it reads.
11:59
